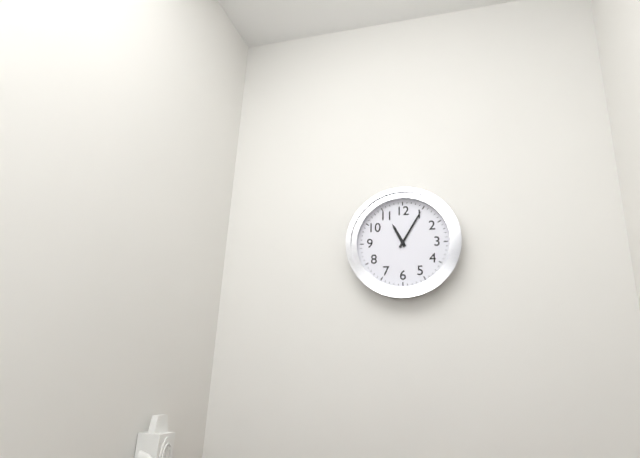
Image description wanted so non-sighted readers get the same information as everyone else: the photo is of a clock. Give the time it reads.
11:05
